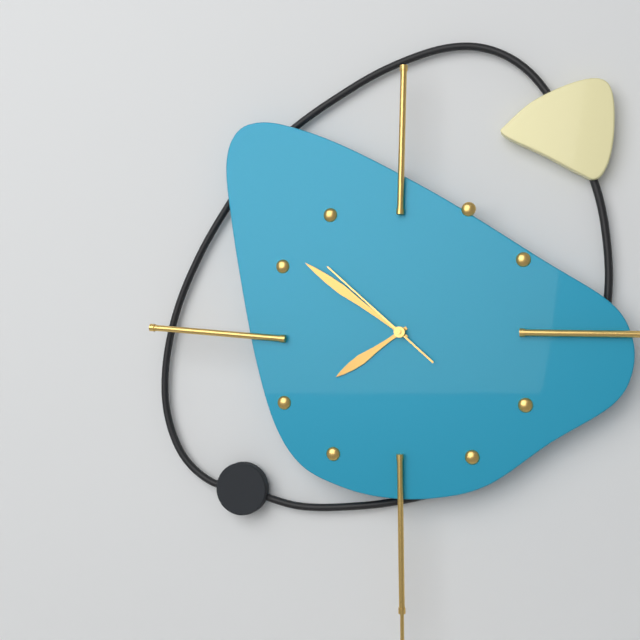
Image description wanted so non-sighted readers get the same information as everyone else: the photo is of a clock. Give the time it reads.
7:51:52
